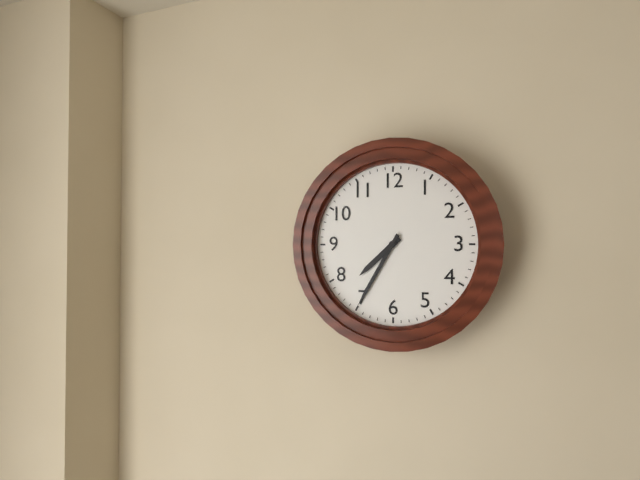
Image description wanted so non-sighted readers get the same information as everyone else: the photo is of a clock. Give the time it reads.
7:35
